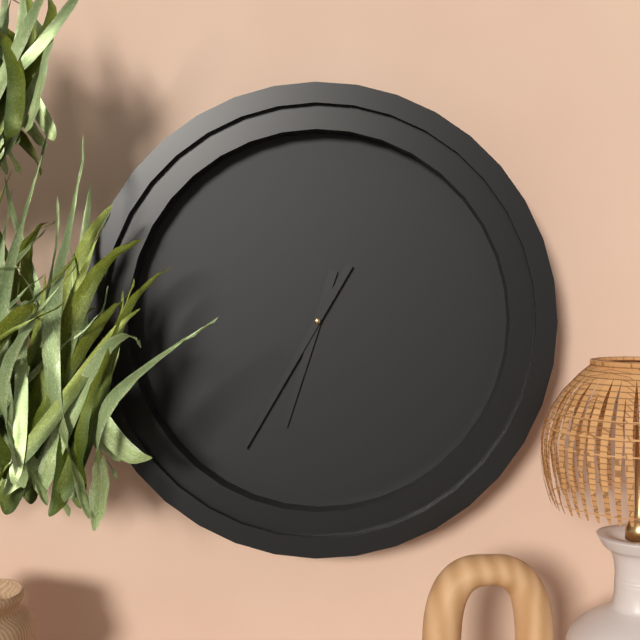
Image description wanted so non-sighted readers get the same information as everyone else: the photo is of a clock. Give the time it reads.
6:35
